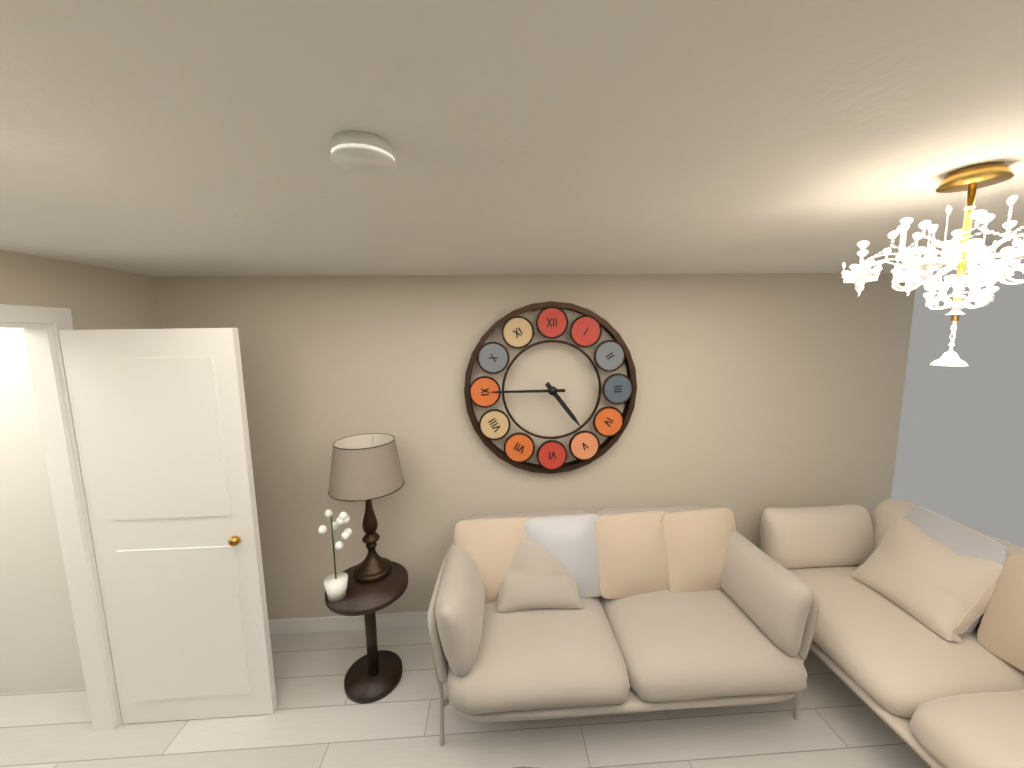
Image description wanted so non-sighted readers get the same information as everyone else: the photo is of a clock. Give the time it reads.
4:45
